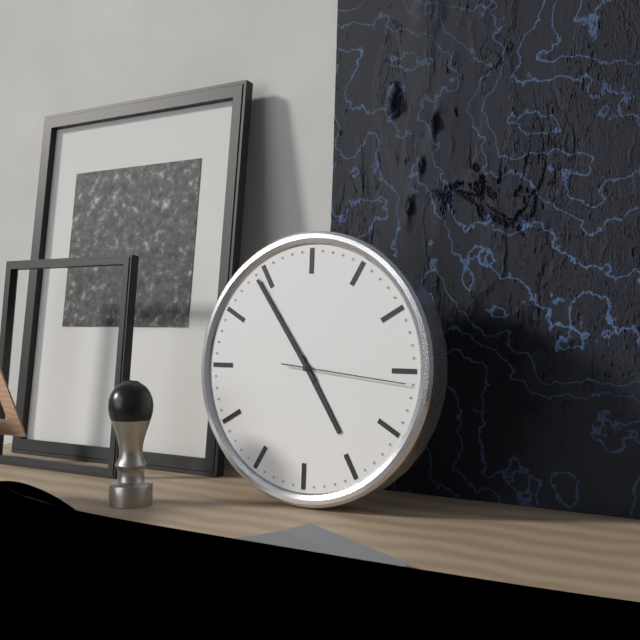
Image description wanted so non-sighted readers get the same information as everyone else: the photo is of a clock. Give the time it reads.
4:54:16
